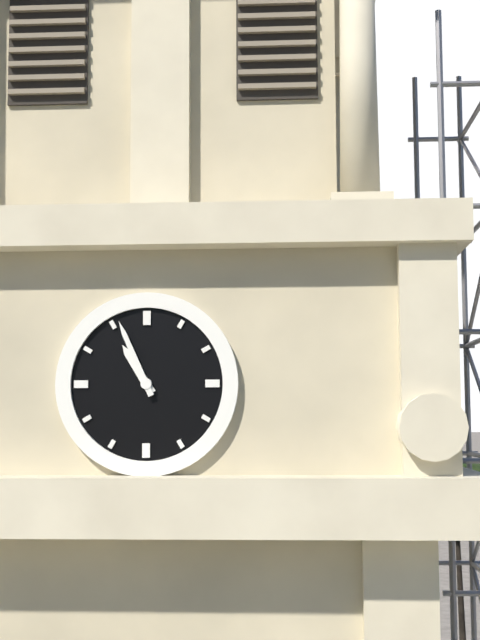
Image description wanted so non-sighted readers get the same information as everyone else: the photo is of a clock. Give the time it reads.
10:56
